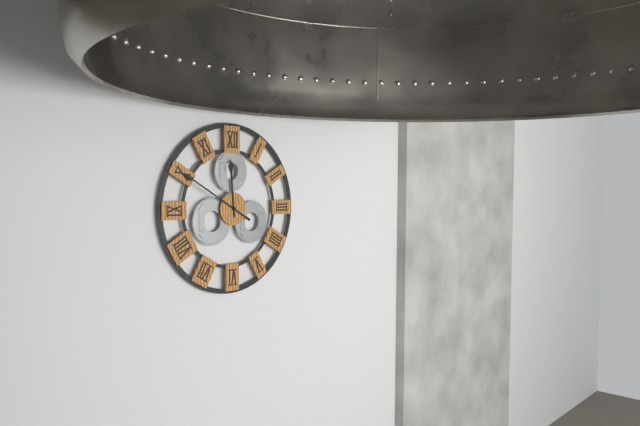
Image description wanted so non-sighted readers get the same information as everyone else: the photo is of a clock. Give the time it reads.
11:50
